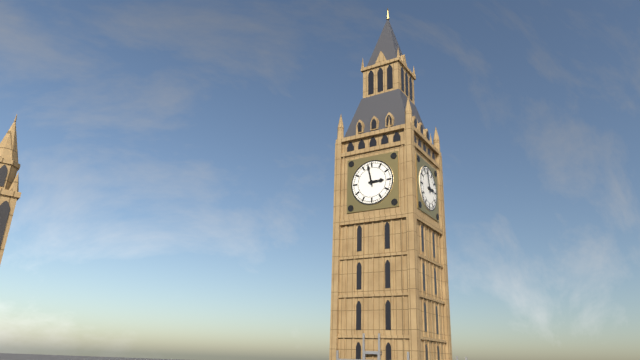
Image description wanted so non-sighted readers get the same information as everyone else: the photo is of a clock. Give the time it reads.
2:58
